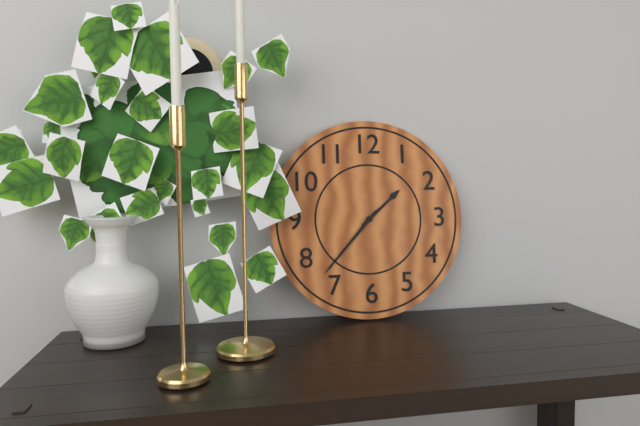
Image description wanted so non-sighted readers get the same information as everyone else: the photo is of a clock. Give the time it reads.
1:37
